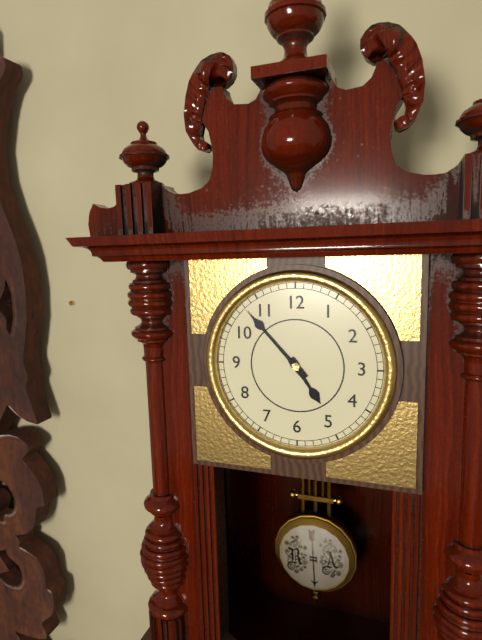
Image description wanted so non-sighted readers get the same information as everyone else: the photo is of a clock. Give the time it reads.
4:53
